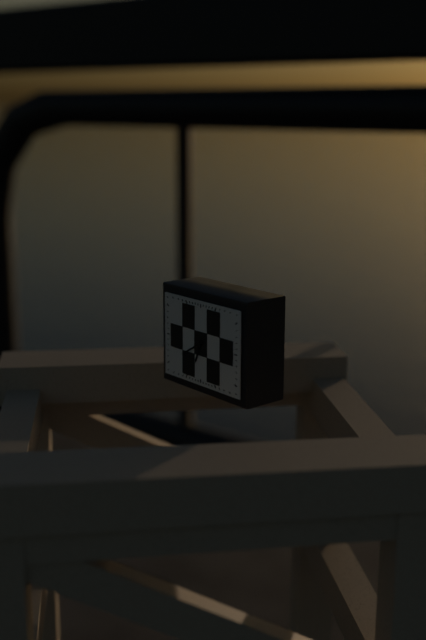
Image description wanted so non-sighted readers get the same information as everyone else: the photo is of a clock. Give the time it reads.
6:40
